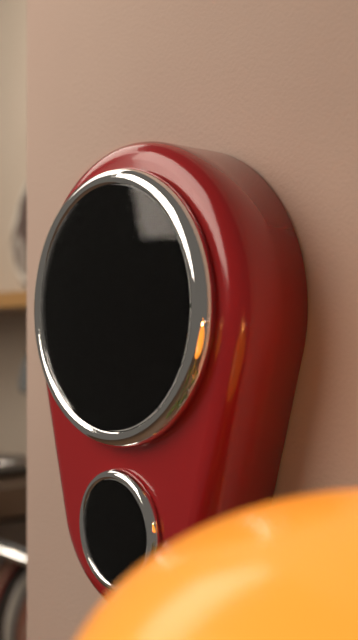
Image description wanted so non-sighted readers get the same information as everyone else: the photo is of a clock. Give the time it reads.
11:19:20
